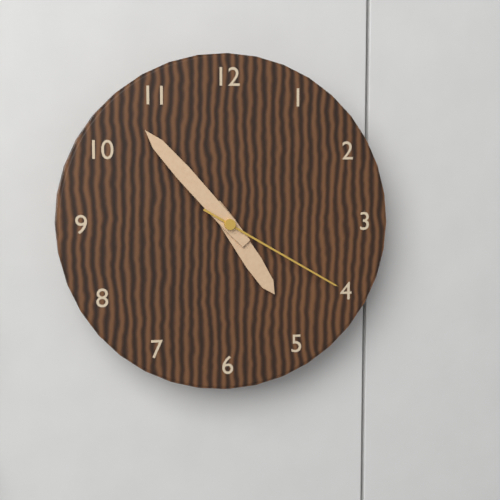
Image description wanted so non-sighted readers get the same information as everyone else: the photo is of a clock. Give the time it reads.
4:53:20
